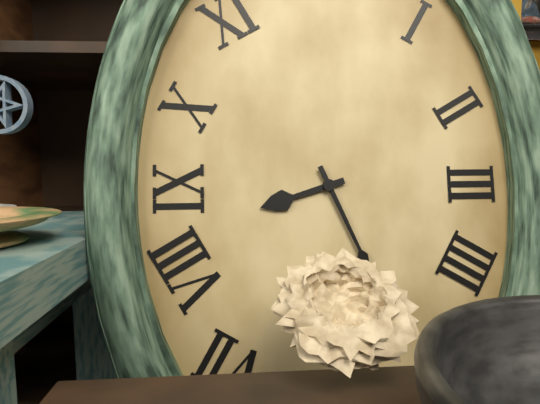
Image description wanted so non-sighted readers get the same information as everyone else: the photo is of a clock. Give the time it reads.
8:26
